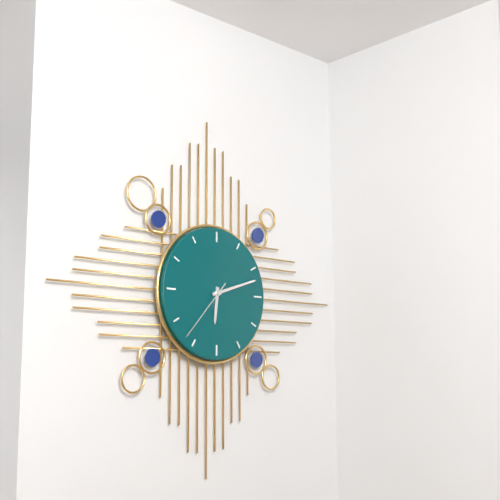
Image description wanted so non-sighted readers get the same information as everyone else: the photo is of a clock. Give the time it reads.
6:12:37
